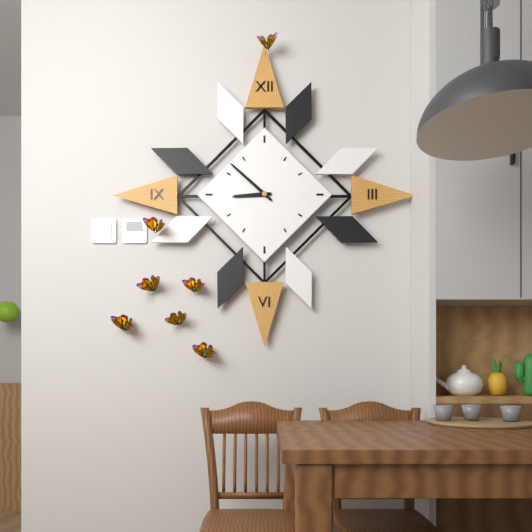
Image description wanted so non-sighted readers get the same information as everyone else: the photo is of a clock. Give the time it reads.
8:52
